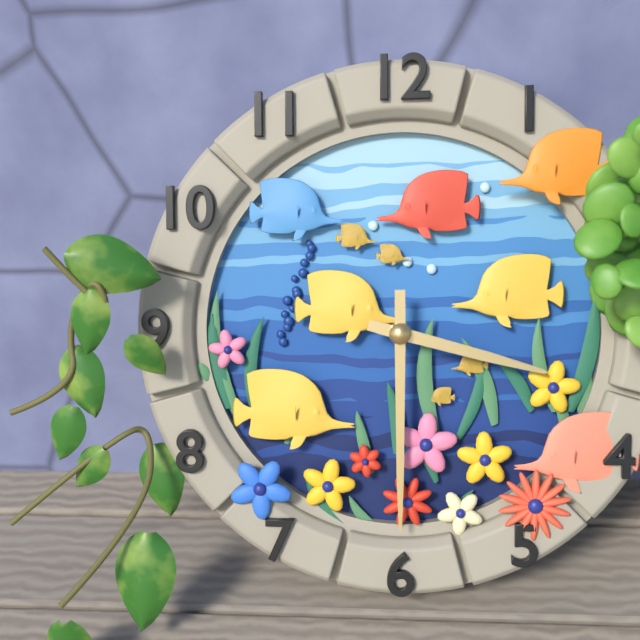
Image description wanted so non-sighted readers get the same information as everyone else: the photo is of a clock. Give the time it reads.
3:30
